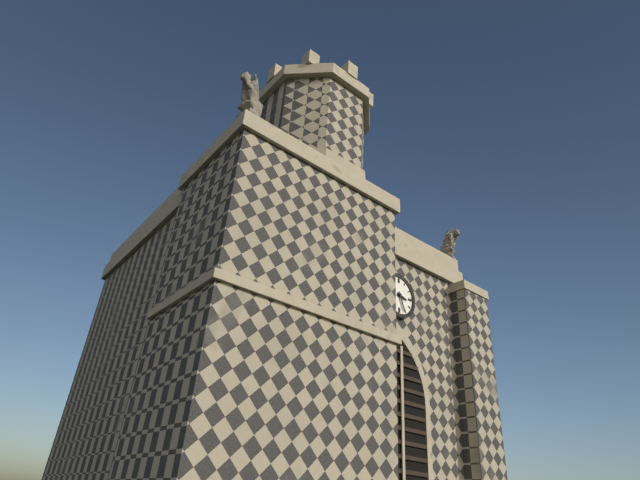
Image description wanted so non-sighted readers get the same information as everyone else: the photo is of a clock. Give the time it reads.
3:26
